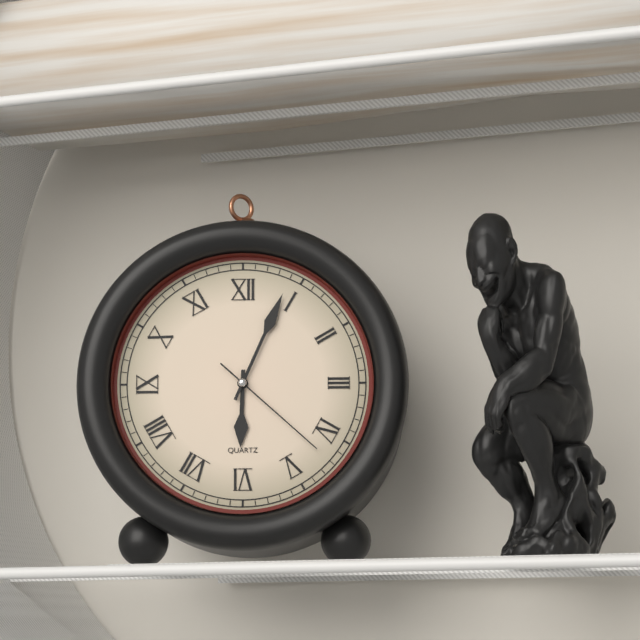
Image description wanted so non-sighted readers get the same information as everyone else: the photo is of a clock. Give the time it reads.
6:04:22
